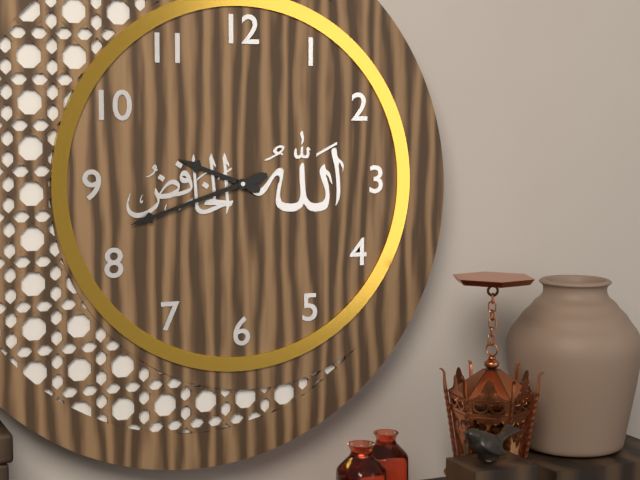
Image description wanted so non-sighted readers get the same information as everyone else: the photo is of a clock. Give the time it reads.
9:42
